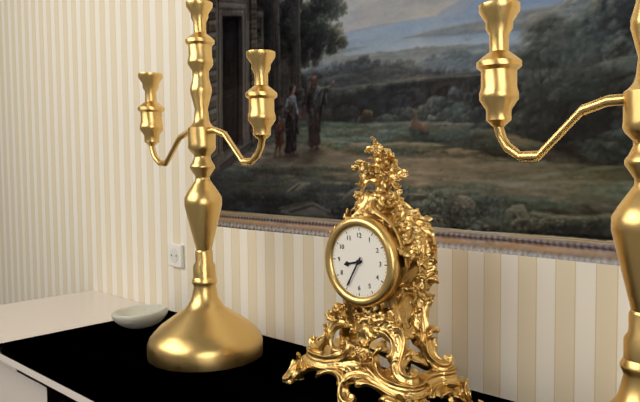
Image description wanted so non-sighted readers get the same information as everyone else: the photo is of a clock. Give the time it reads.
8:35
